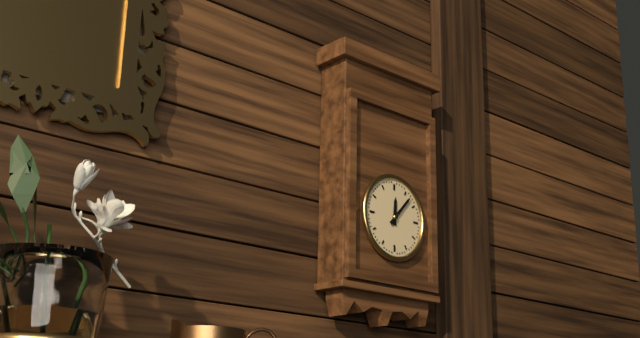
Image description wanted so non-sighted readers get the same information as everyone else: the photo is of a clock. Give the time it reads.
12:07
